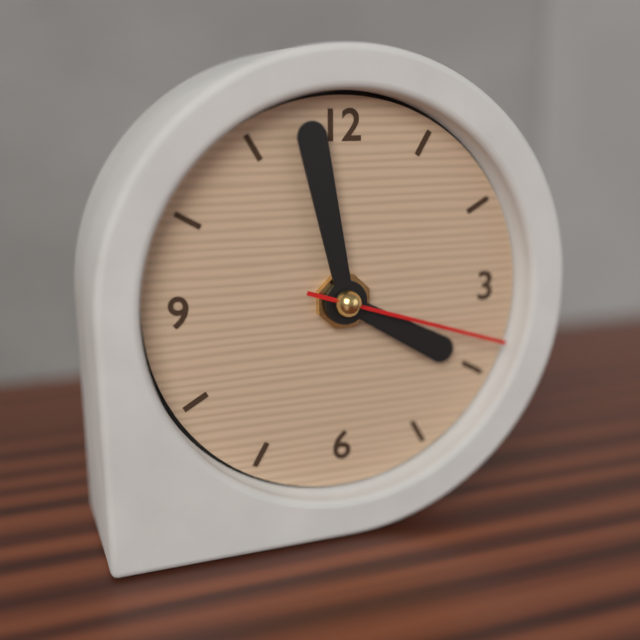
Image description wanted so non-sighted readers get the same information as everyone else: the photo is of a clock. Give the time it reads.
3:58:18
